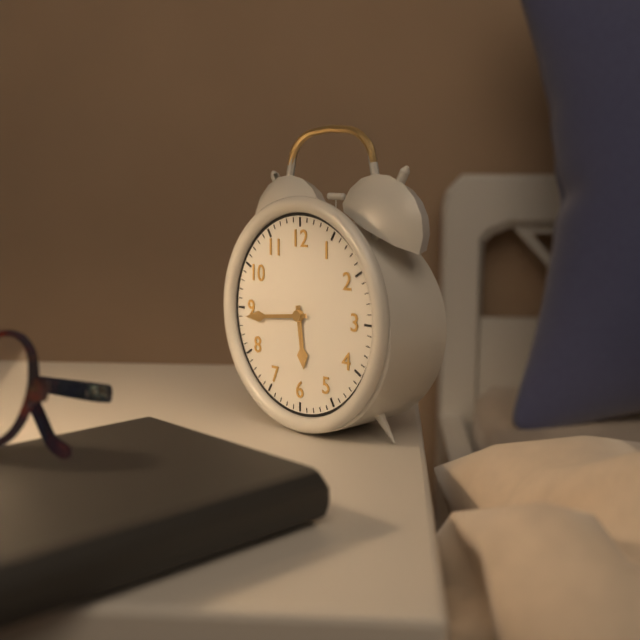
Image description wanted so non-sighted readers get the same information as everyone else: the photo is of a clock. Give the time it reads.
5:44
